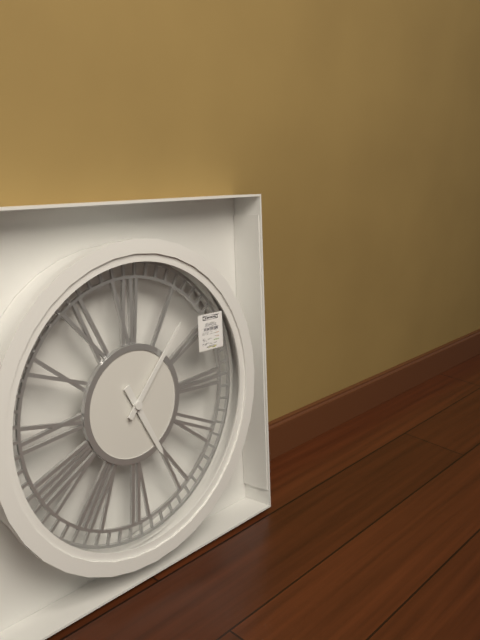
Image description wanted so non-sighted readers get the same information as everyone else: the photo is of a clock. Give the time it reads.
5:07
